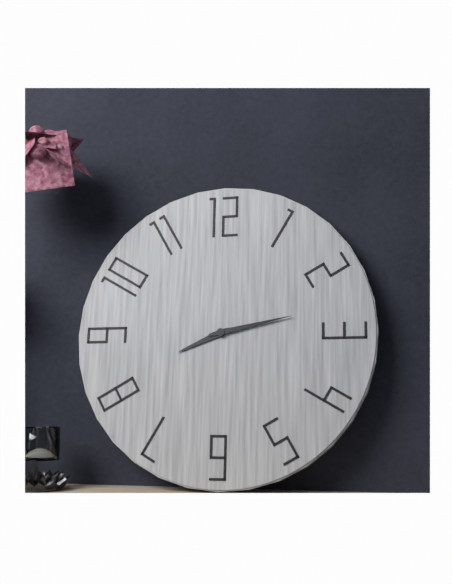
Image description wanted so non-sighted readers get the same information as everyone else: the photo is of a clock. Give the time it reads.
8:13
